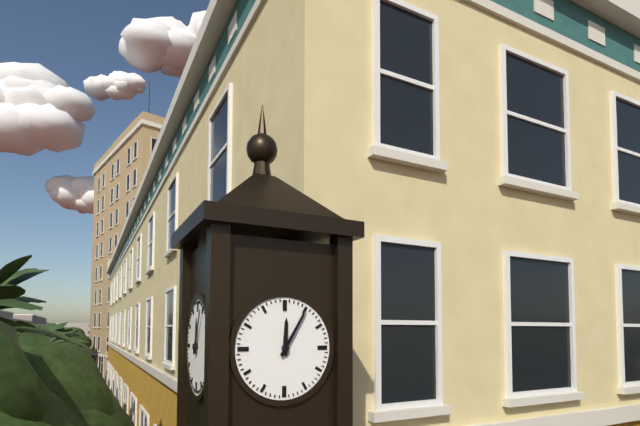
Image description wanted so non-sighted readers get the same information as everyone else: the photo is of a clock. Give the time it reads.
12:05
